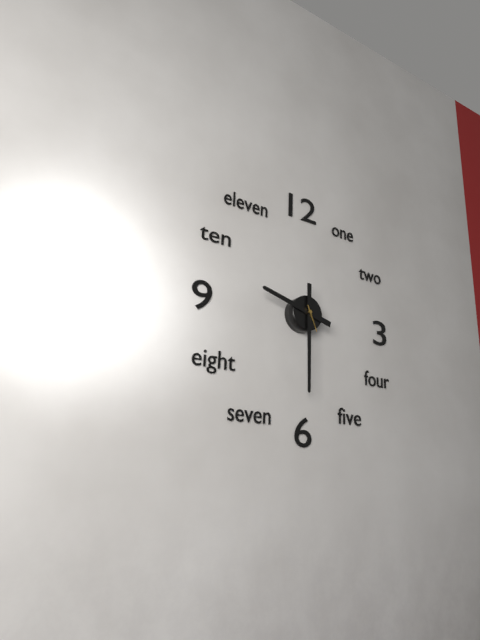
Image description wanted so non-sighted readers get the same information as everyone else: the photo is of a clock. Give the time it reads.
9:30
